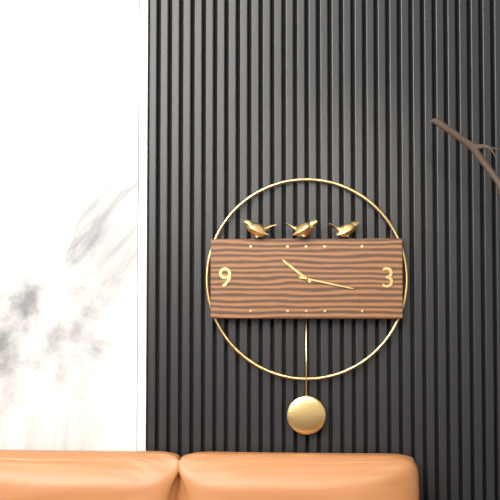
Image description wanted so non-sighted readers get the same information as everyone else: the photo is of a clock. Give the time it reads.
10:17
